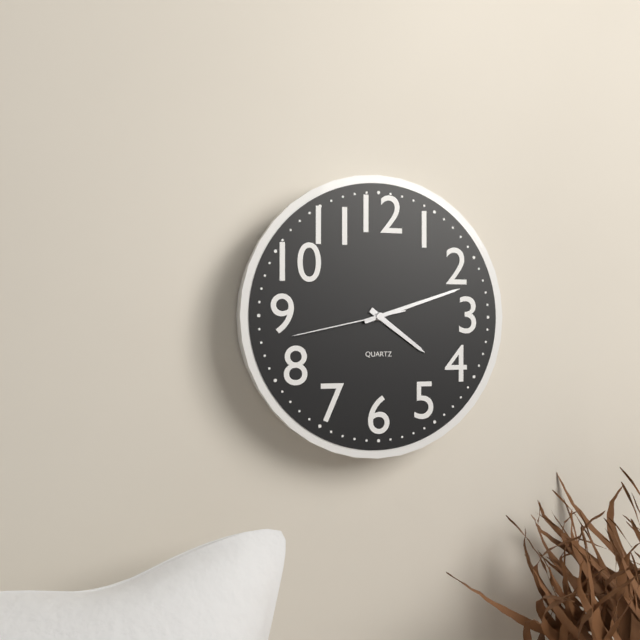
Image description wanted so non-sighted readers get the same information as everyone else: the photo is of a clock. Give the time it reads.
4:12:43
